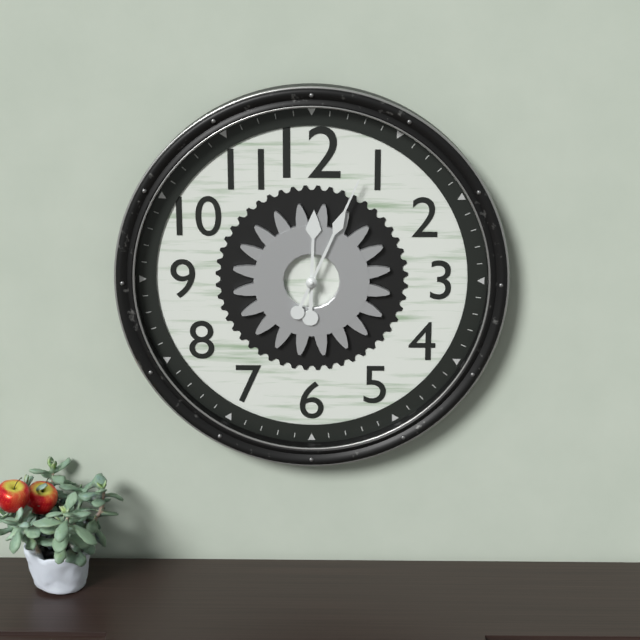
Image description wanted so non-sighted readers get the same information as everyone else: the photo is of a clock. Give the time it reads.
12:04
